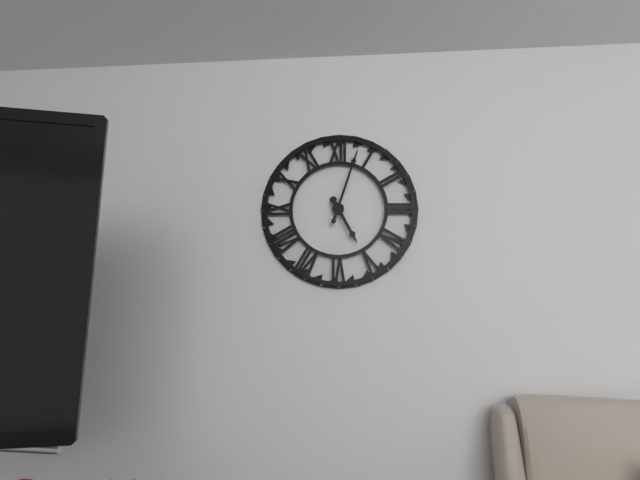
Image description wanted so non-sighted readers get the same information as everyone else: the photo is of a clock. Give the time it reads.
5:03
